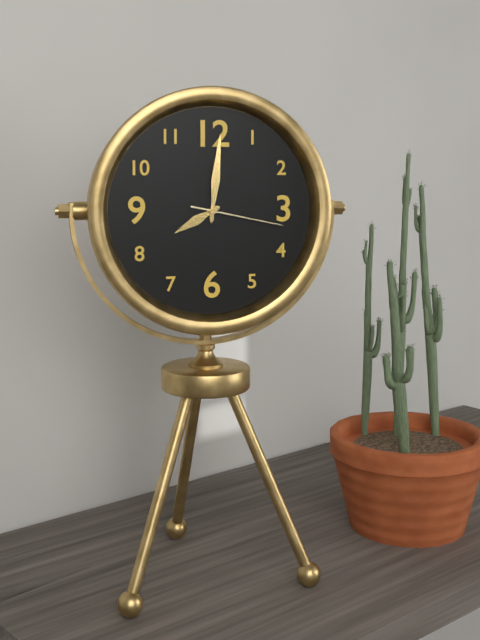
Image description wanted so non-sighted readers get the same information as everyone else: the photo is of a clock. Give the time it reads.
8:01:17
